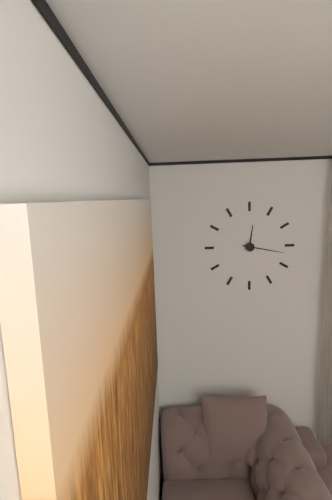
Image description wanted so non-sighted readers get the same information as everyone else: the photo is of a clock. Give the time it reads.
12:17
